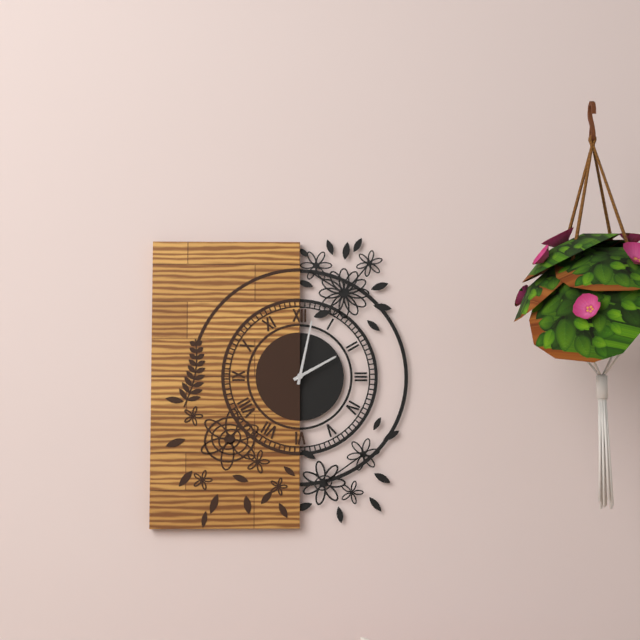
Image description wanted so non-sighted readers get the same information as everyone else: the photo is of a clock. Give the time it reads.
2:02
